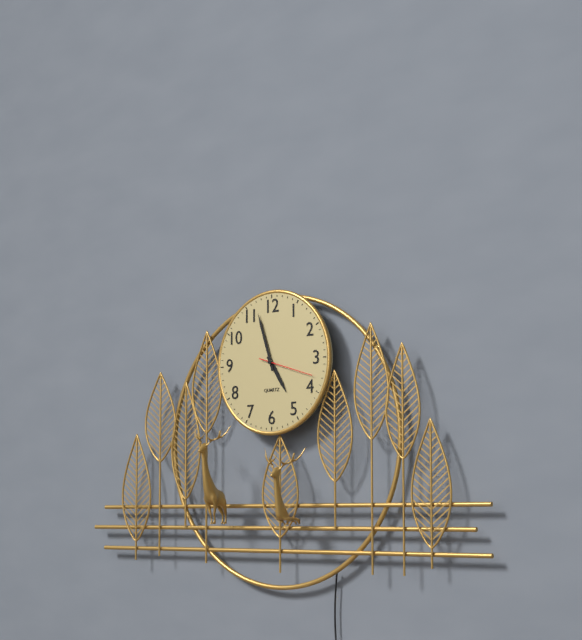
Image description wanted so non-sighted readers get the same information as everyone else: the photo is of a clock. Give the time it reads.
4:57:18
